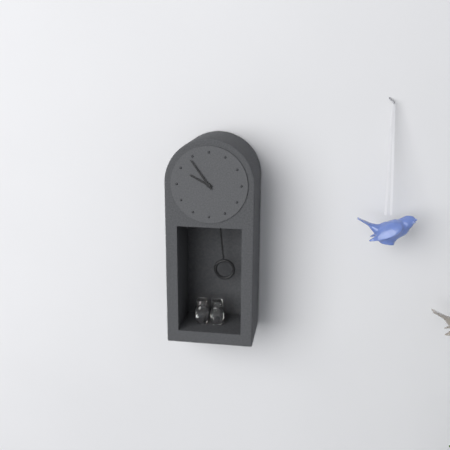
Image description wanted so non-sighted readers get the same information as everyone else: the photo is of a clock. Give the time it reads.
9:54
